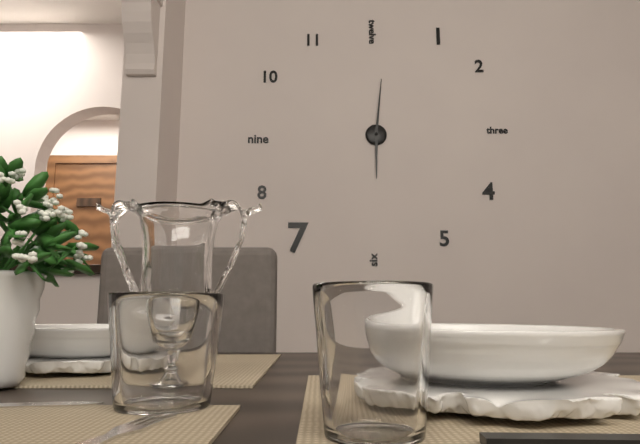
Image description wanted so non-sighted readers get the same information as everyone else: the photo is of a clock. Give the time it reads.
6:01
